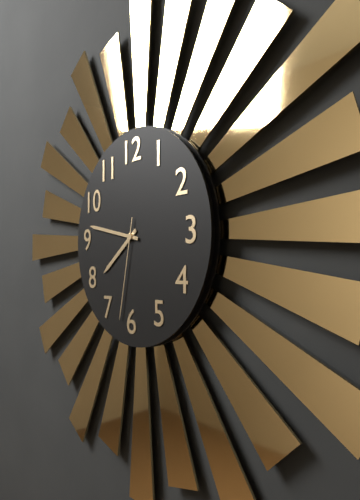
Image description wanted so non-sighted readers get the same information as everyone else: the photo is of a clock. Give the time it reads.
7:47:32
